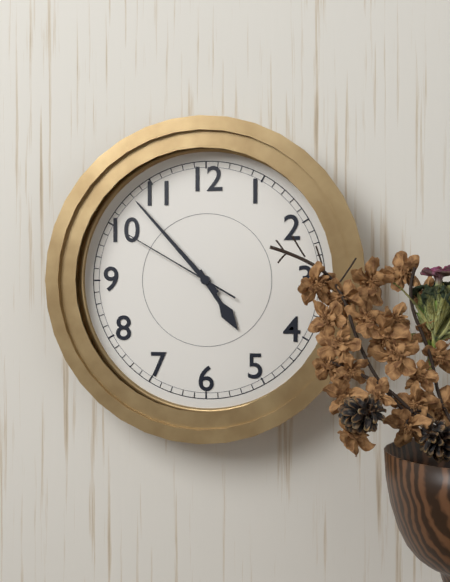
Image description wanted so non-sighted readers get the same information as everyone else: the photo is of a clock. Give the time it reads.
4:53:50
